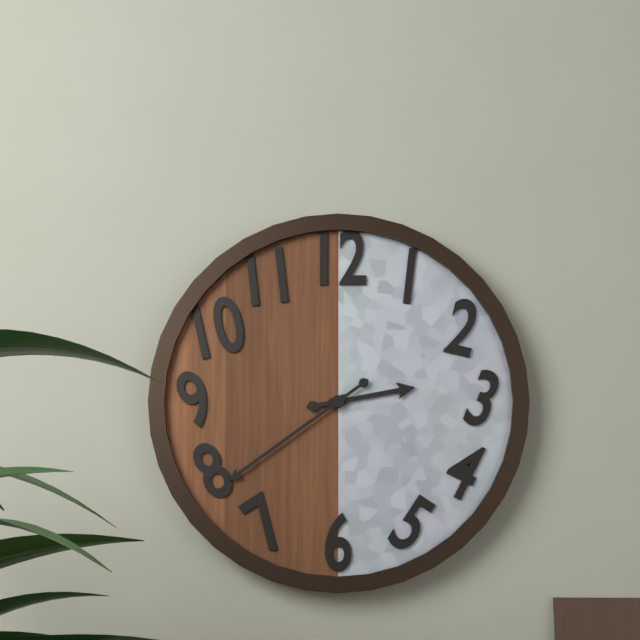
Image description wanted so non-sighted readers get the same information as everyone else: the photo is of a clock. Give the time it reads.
2:39
